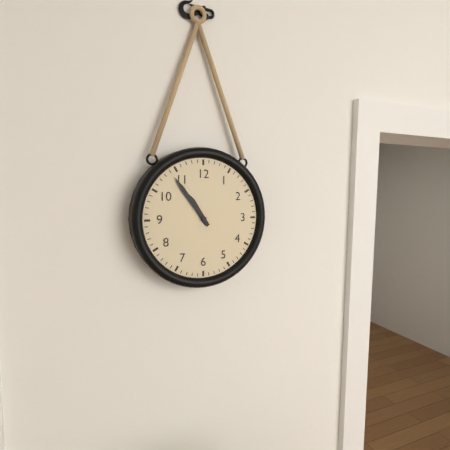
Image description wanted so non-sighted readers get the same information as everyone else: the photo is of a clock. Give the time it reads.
10:54
